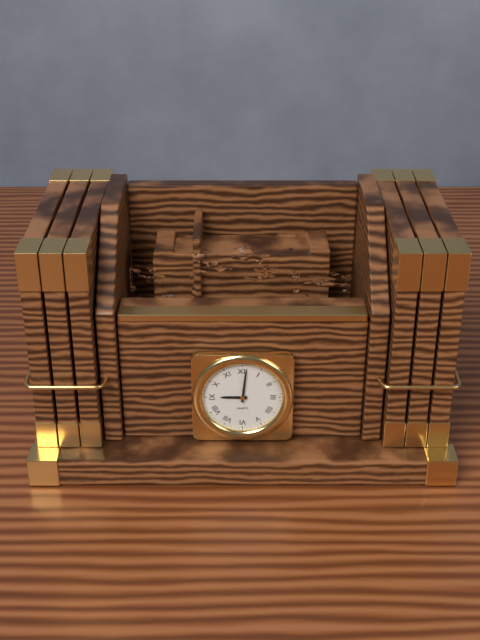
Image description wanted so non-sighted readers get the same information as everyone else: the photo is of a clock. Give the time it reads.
9:01
